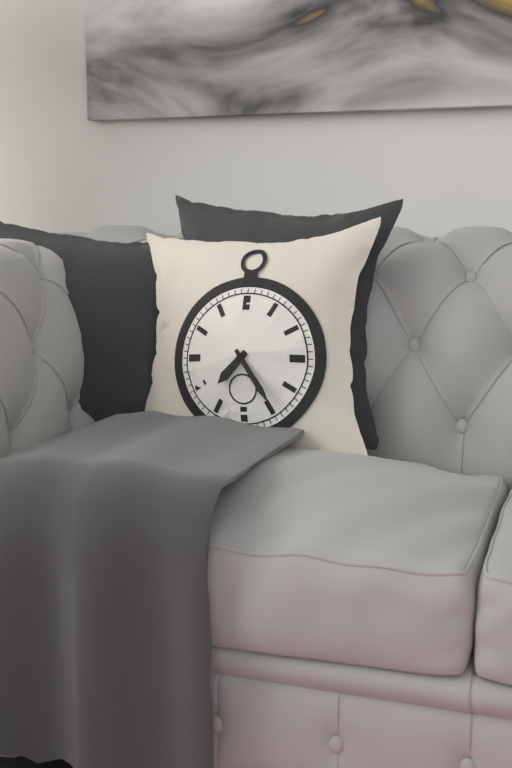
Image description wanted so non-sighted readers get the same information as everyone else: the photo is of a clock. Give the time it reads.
7:24
